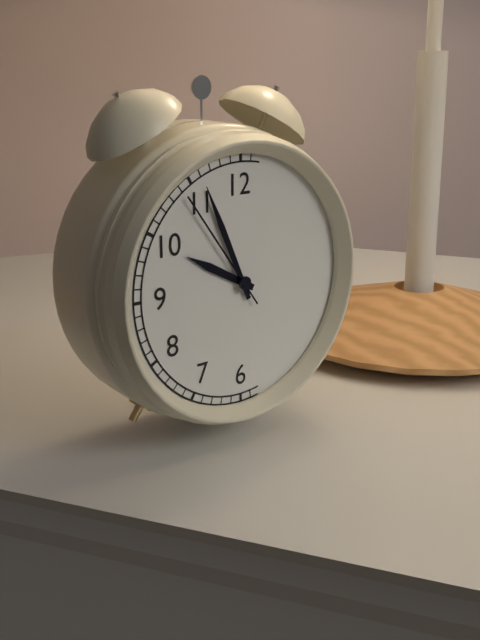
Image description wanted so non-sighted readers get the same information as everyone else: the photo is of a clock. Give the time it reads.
9:56:54
